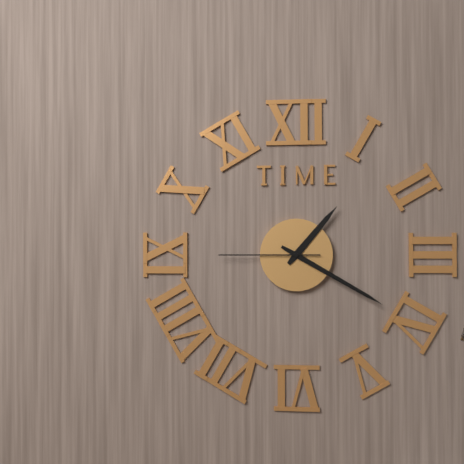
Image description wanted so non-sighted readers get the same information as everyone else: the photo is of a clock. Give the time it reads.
1:20:45
